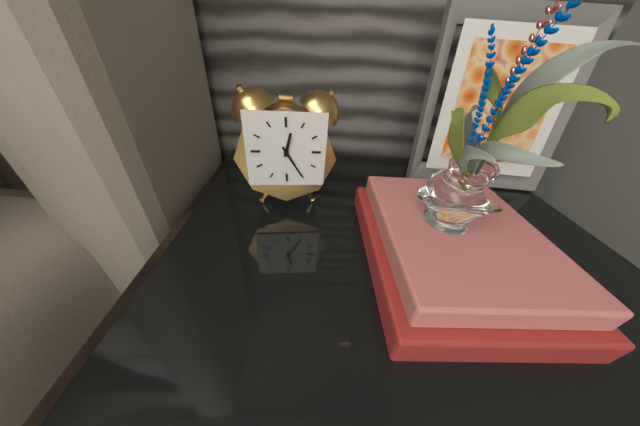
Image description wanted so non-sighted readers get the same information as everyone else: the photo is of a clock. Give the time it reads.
12:25
